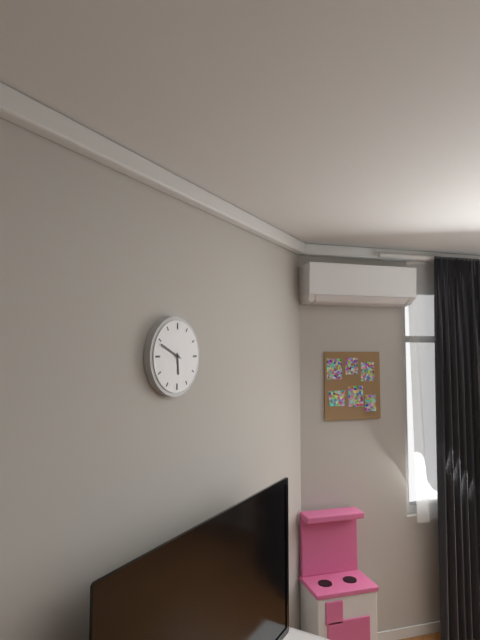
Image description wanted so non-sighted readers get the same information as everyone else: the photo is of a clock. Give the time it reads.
5:49
